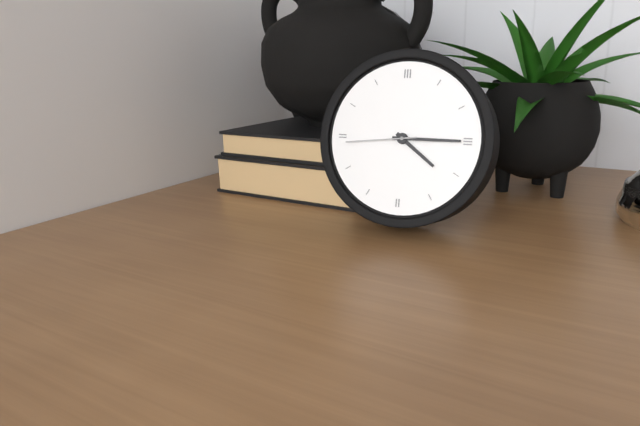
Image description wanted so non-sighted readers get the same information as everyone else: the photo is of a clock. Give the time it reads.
4:15:44
